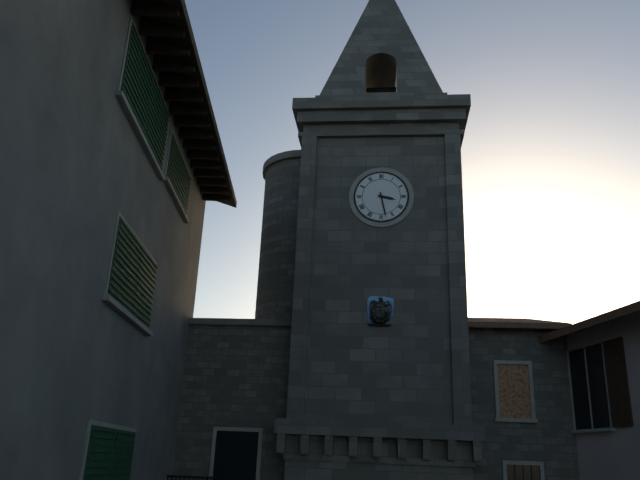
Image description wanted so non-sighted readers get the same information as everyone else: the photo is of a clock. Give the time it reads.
3:28
